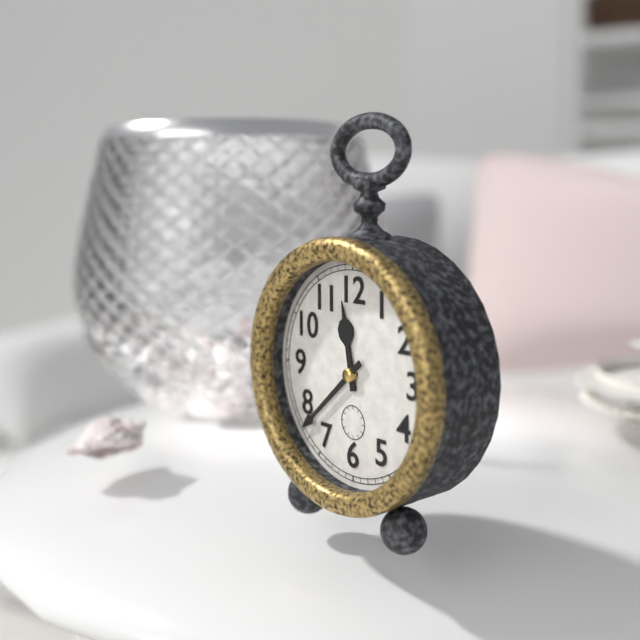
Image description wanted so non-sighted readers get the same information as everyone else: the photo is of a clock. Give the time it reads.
11:38
